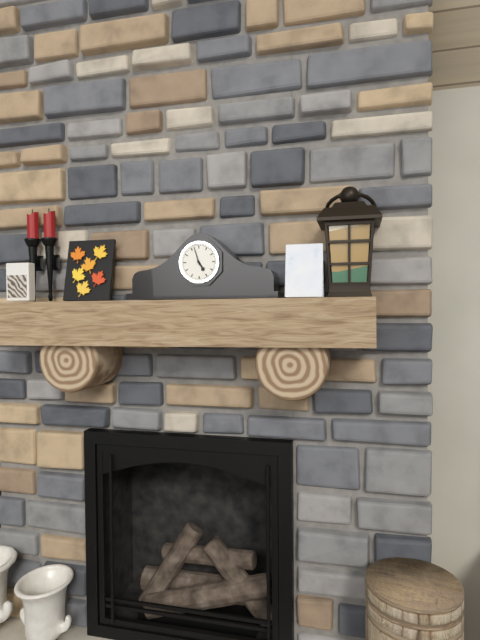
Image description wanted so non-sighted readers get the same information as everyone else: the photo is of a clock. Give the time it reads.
4:57
